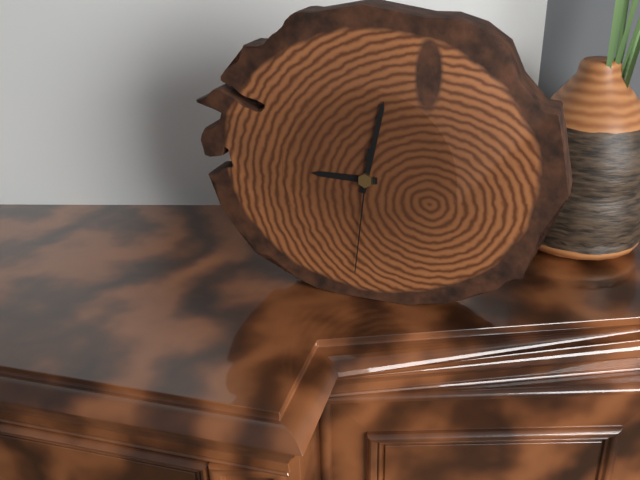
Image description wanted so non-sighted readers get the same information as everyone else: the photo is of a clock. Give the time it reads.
9:02:31
